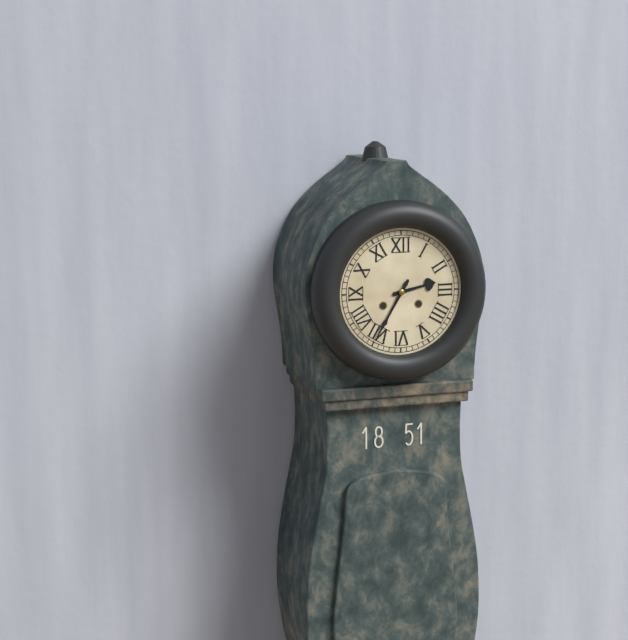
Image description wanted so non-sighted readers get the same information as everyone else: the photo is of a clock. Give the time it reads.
2:35
